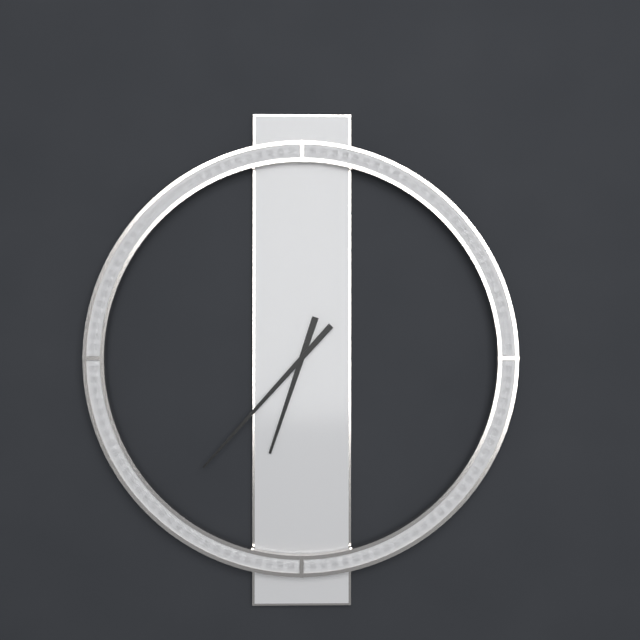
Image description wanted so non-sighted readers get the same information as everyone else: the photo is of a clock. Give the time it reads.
6:37
